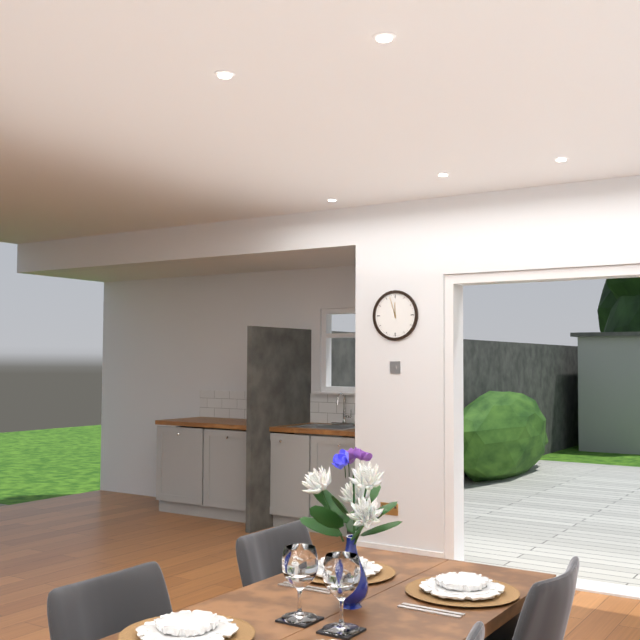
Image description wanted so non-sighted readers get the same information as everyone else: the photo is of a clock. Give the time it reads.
11:57
